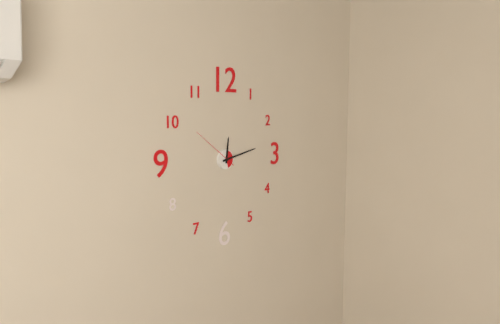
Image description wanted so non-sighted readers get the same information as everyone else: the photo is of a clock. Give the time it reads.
12:13:51
